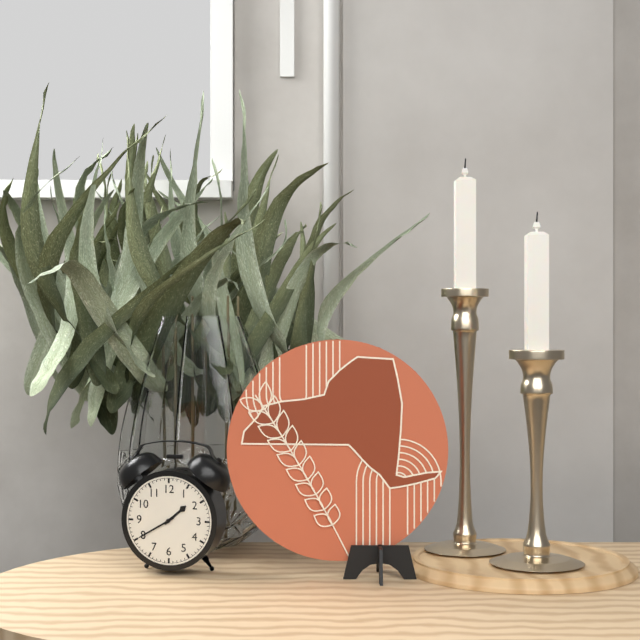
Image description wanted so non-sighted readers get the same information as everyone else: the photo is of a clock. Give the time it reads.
1:40
